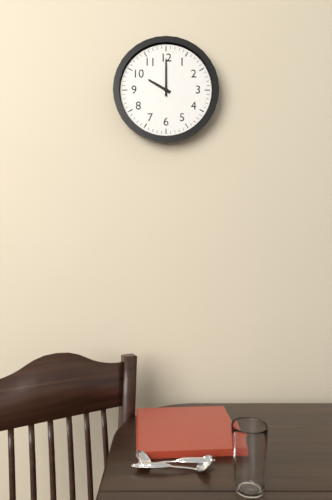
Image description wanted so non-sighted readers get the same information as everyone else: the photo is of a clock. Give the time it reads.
10:00
